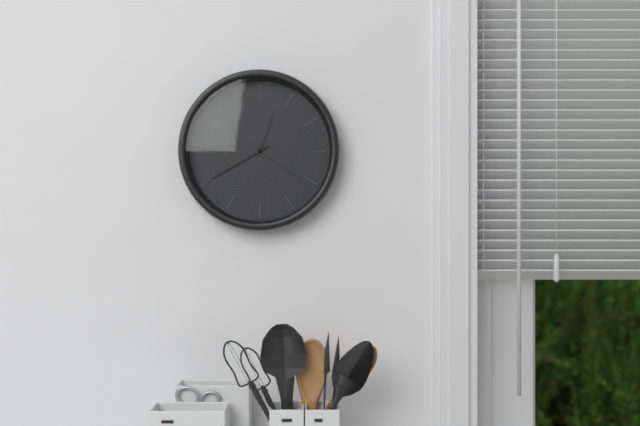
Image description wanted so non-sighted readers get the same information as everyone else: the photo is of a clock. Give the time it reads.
12:40:21
